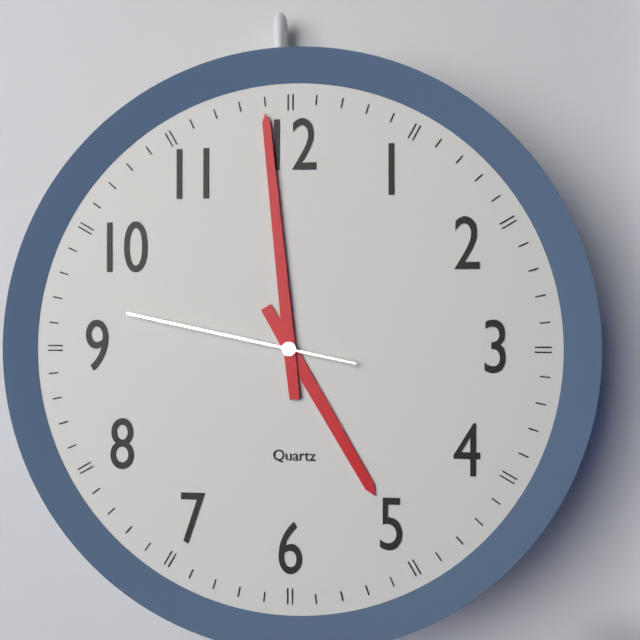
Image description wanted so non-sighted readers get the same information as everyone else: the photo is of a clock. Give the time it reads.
4:59:47
